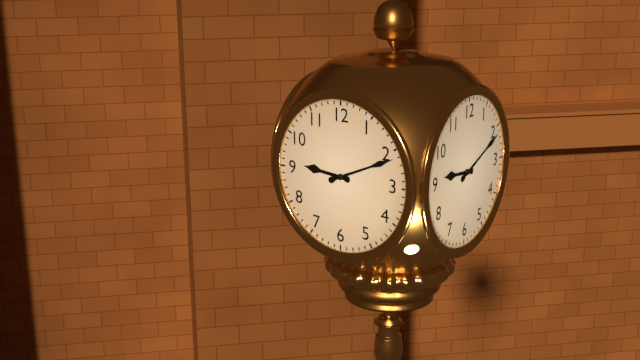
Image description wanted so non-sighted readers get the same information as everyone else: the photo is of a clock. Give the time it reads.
9:11
